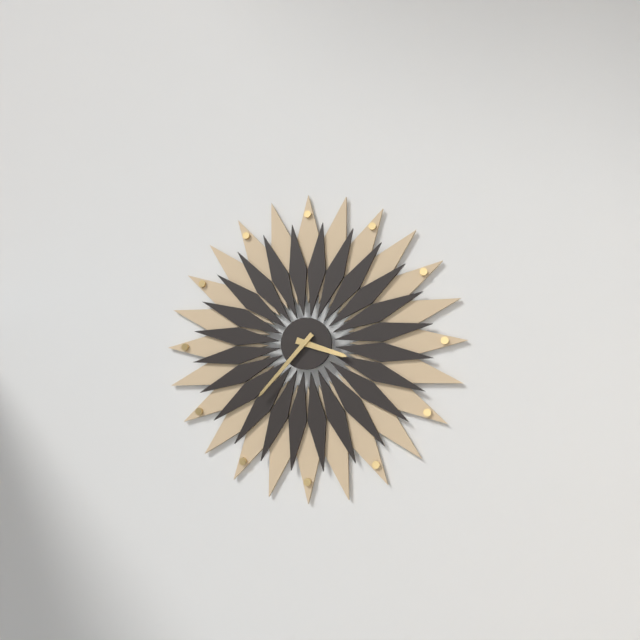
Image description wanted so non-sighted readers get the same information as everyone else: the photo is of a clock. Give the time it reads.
3:37
